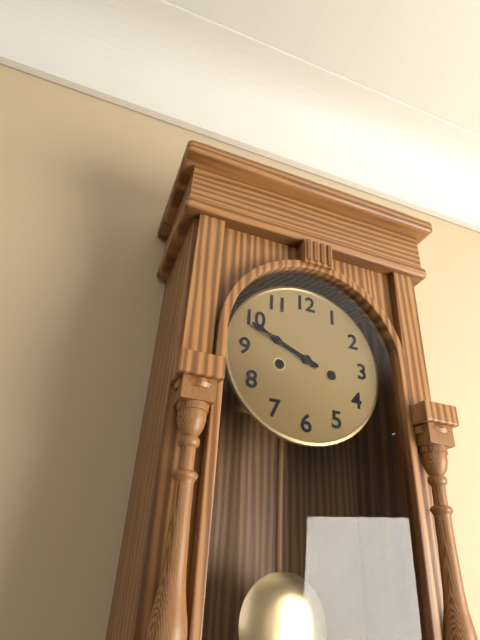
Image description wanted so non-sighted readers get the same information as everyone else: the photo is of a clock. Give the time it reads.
9:49
